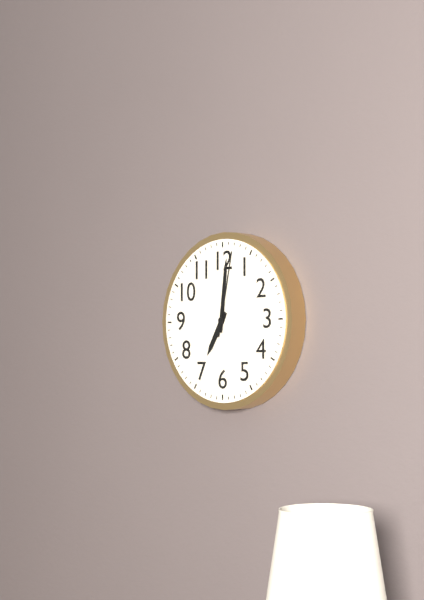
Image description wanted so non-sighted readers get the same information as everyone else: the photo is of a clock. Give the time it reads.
7:01:02
